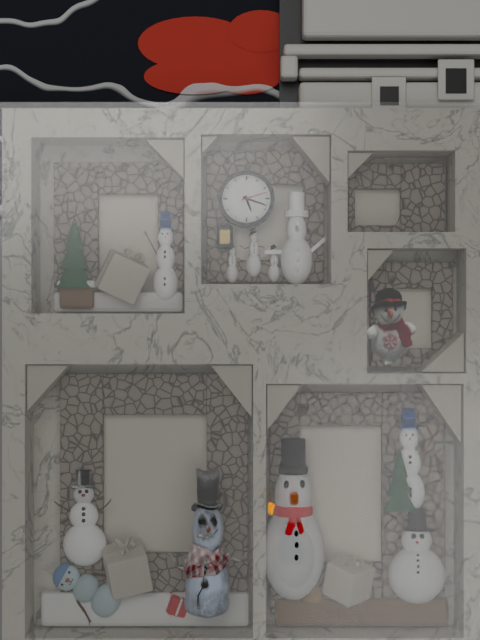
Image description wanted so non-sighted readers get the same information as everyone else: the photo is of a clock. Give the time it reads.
5:18
